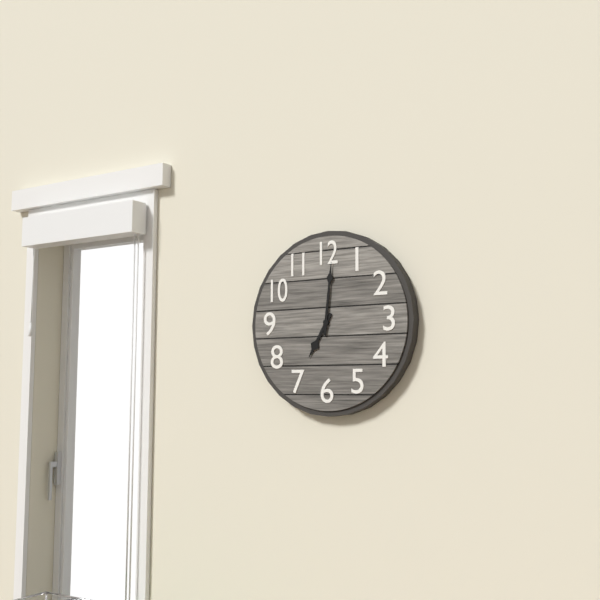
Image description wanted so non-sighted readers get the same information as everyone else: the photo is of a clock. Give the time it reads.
7:01
